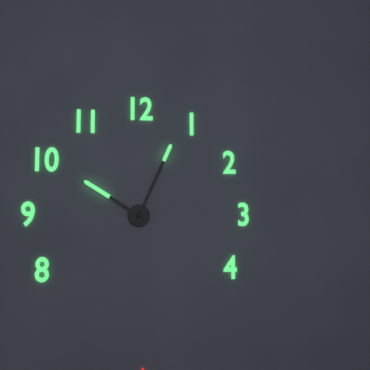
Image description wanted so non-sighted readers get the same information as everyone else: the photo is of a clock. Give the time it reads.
10:04
